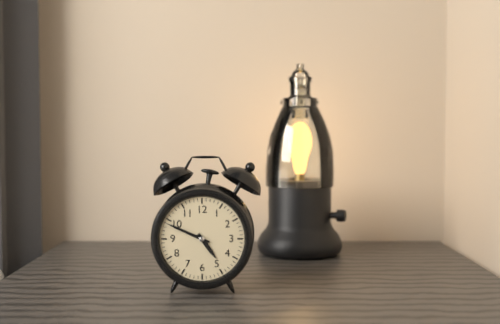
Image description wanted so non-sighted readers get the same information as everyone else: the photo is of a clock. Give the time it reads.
4:49
